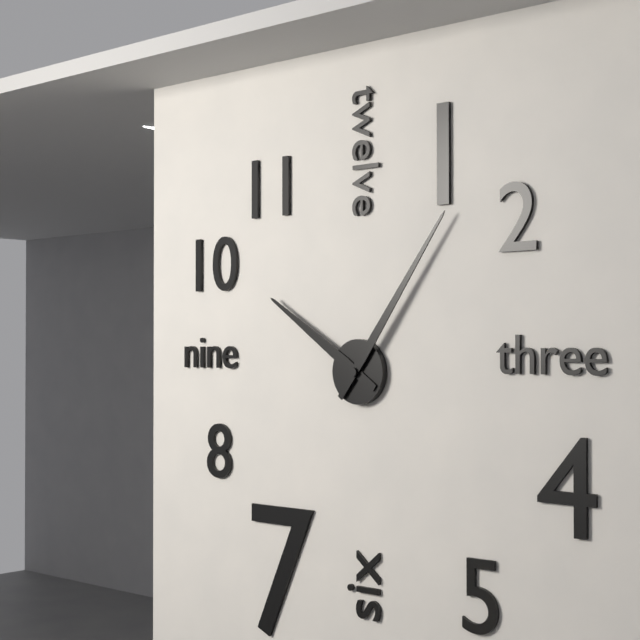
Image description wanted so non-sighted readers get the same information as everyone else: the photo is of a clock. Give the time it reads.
10:06
